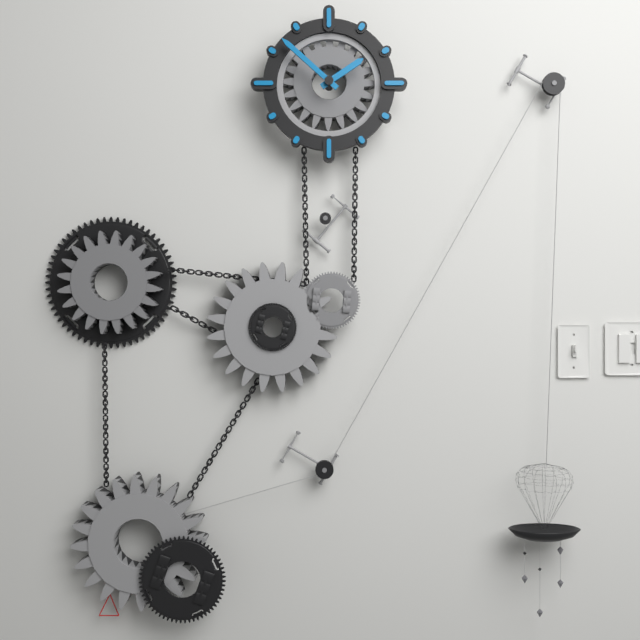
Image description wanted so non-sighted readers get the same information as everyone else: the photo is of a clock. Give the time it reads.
1:52
